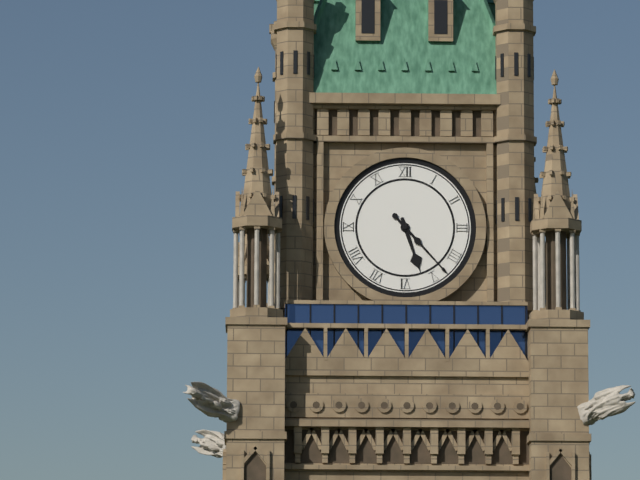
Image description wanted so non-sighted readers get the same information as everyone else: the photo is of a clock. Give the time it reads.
5:23
